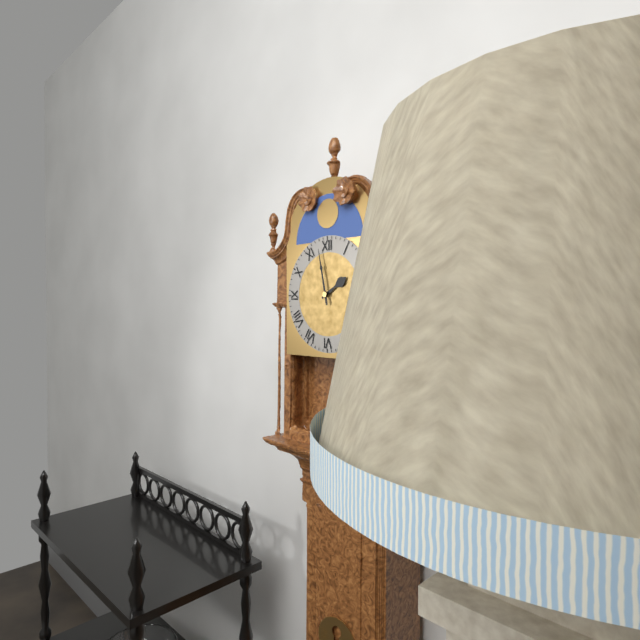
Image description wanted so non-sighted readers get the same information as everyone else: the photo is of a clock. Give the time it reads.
1:58
